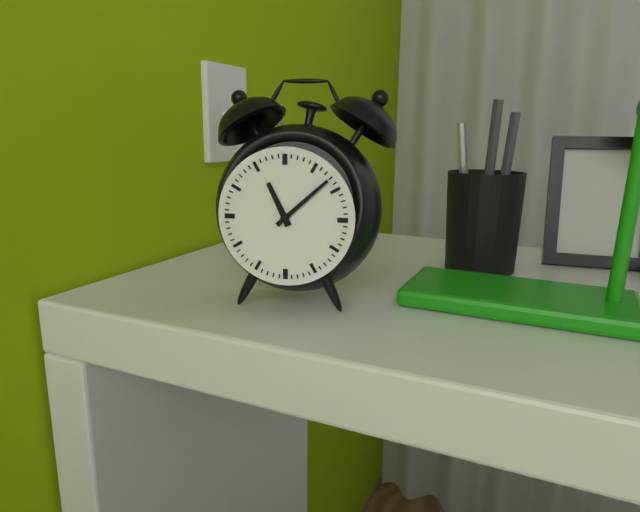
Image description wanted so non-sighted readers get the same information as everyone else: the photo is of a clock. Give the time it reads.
11:08
